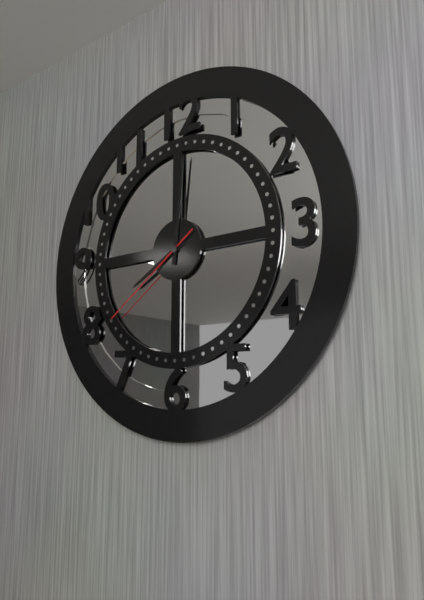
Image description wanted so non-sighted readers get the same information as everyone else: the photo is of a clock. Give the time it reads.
8:01:39
